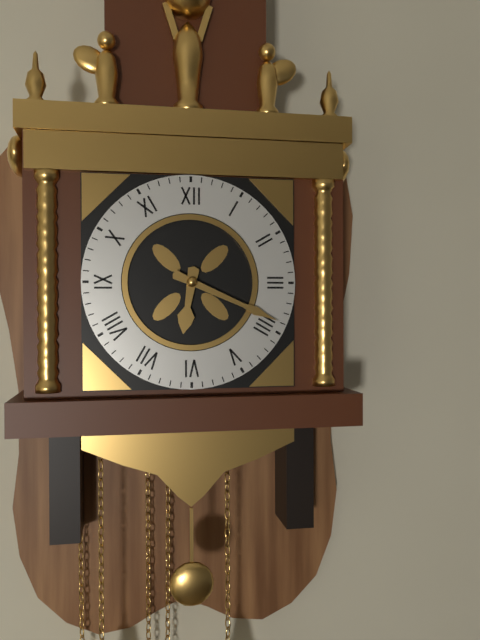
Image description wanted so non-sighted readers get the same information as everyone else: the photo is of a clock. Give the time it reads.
6:19
